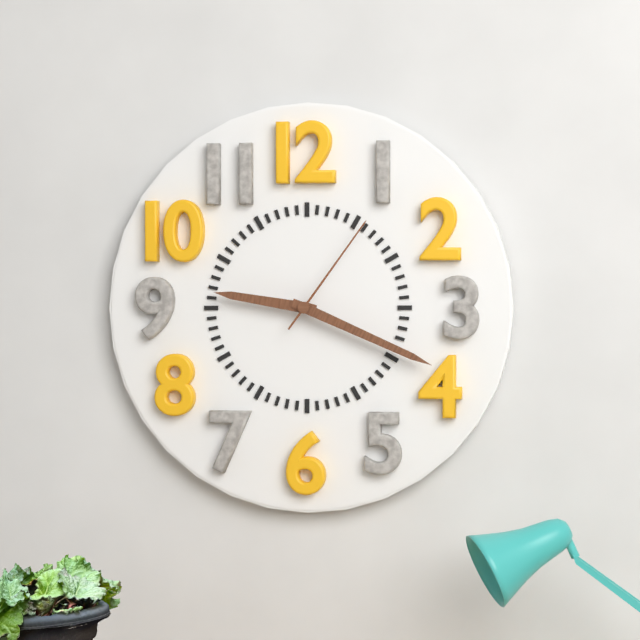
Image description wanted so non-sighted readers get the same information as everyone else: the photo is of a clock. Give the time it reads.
9:19:06
